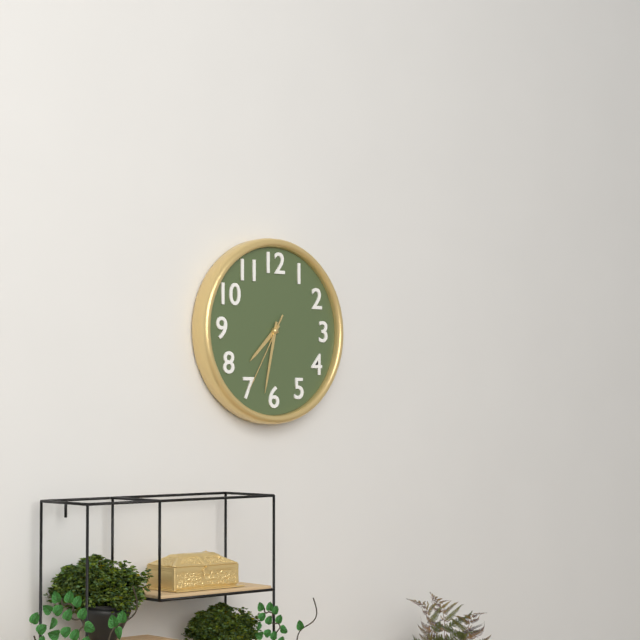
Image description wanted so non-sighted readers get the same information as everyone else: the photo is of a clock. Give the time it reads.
7:32:35
